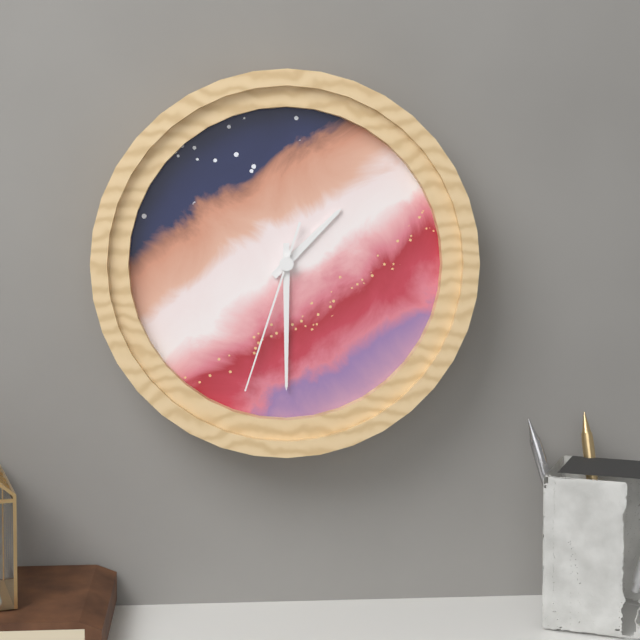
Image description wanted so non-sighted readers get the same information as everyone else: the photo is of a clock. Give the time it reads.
1:30:33
